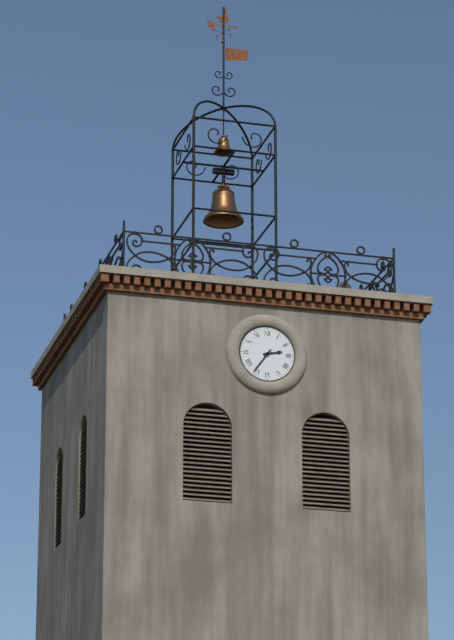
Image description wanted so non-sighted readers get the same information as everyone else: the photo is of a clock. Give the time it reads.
2:36
